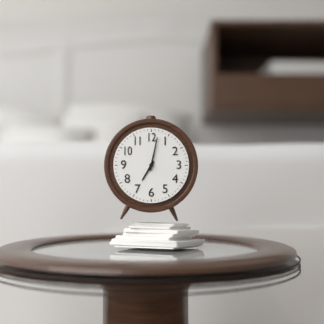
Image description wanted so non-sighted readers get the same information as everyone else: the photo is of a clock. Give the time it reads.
7:02
